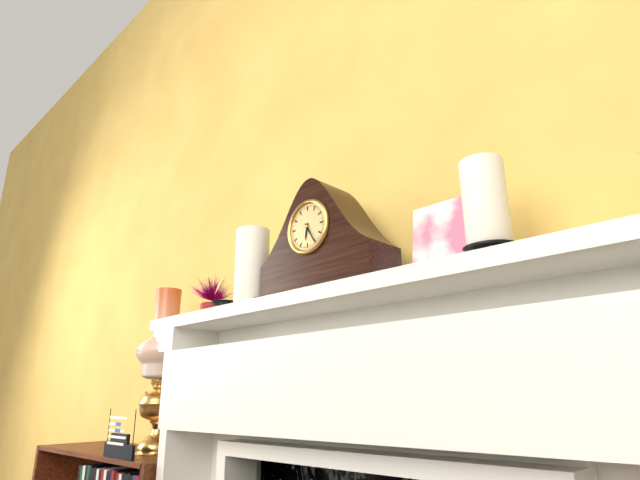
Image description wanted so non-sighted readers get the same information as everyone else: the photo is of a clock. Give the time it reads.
6:25
